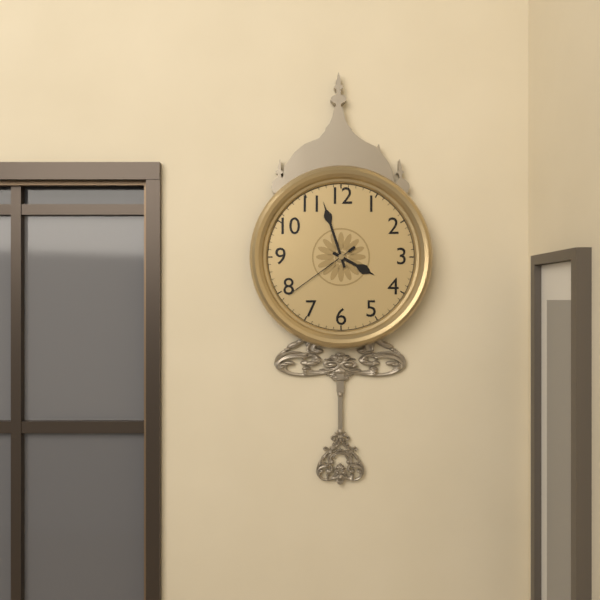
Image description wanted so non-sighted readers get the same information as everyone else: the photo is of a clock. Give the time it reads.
3:57:39
